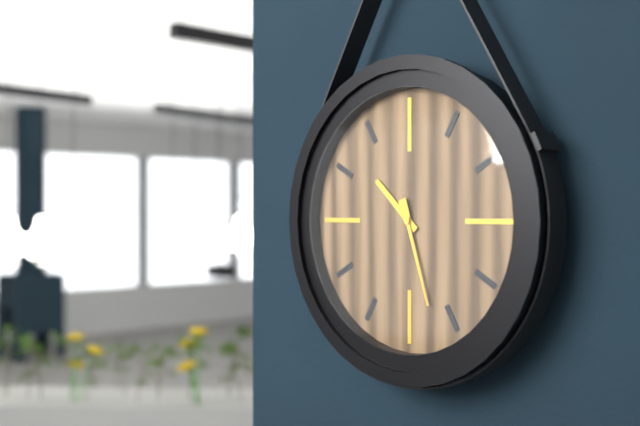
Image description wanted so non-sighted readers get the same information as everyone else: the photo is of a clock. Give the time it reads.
10:27
